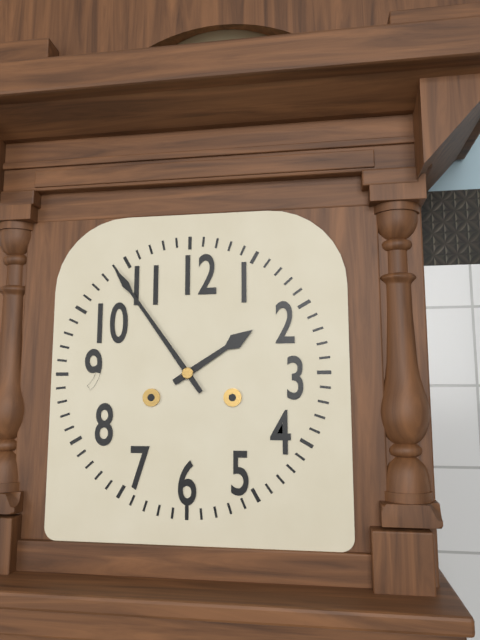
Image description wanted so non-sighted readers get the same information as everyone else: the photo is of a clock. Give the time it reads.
1:54
